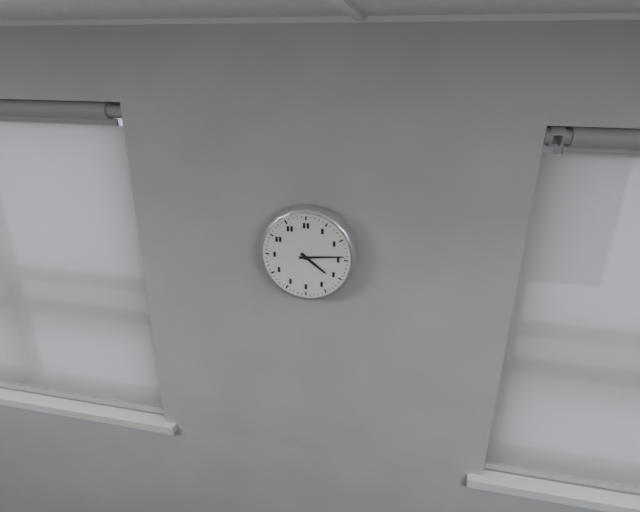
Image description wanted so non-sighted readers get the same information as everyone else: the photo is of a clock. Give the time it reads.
4:14
